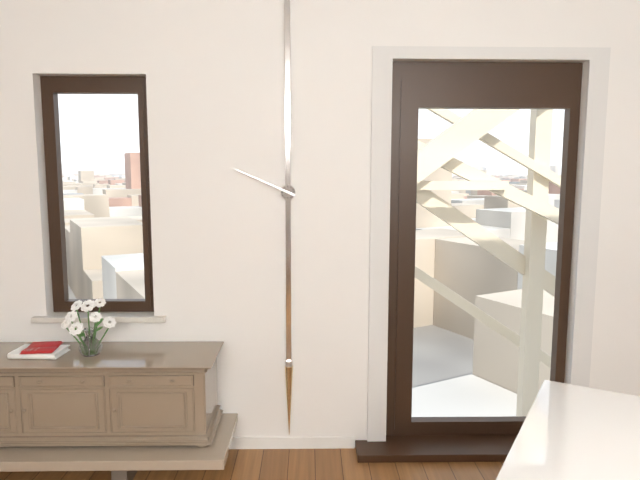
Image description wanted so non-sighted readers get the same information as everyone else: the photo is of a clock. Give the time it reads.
9:49
